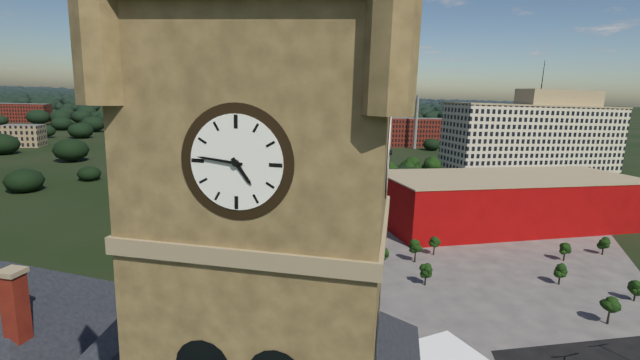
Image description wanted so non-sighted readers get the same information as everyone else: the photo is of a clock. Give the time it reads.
4:46
